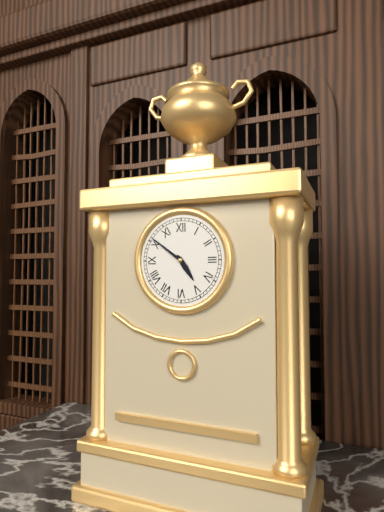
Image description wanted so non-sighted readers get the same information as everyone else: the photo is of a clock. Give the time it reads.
4:51
